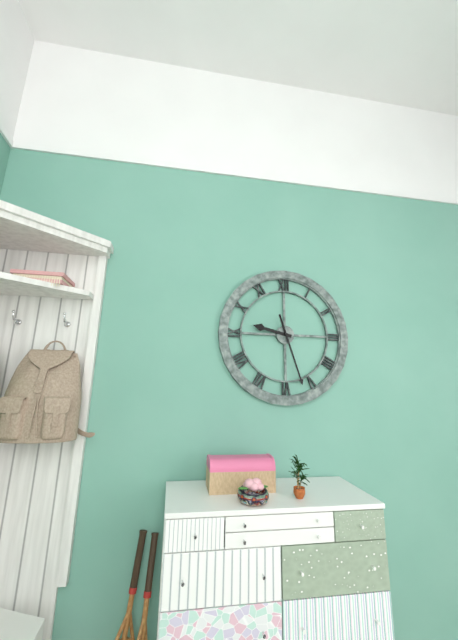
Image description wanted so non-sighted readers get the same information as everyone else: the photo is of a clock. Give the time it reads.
9:27
